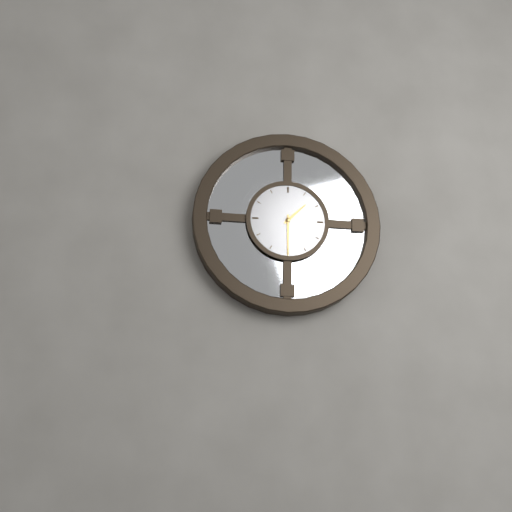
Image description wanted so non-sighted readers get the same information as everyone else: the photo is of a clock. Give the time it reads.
1:30
